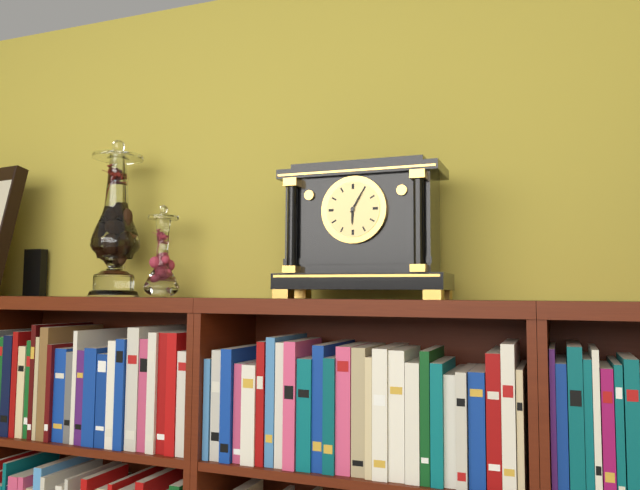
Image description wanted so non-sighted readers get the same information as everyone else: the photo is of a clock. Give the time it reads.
6:05
